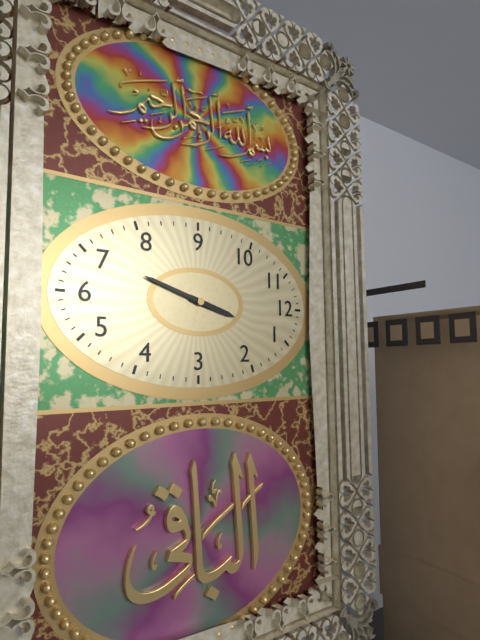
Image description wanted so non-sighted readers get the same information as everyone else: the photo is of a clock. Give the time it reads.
12:33
